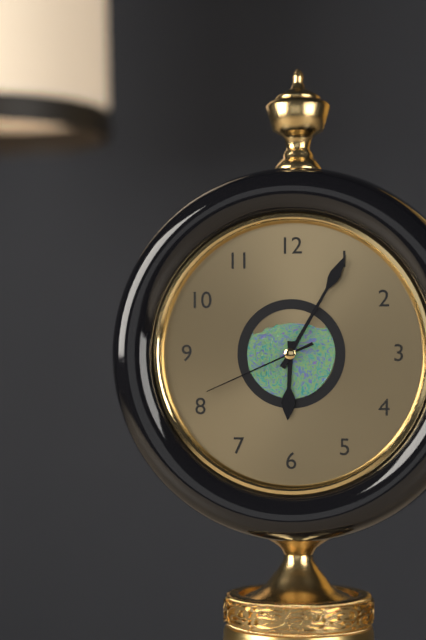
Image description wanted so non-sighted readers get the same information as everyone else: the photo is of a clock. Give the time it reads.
6:05:41
